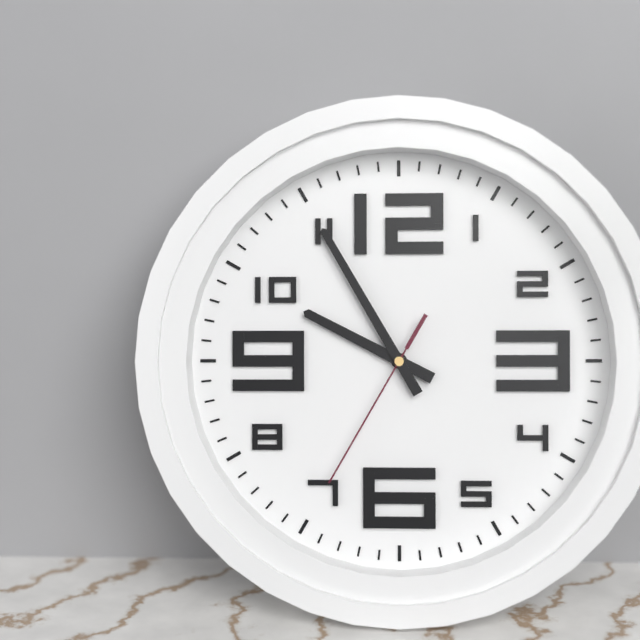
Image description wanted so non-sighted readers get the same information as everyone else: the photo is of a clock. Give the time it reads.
9:55:35
